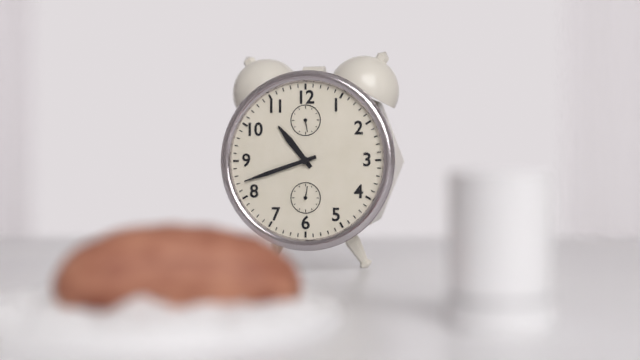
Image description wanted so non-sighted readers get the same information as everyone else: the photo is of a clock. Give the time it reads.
10:42
